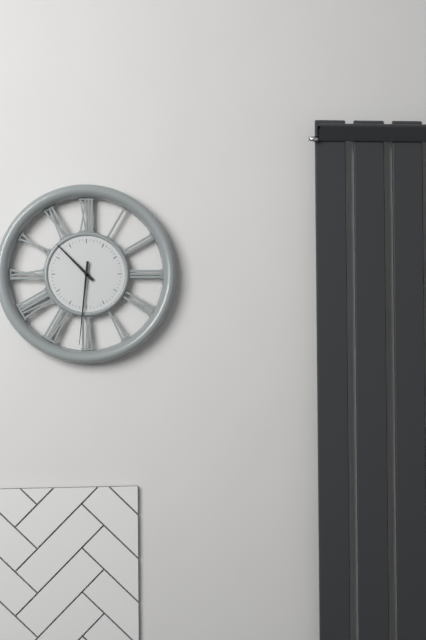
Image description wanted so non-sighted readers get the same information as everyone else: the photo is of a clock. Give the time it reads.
10:31
